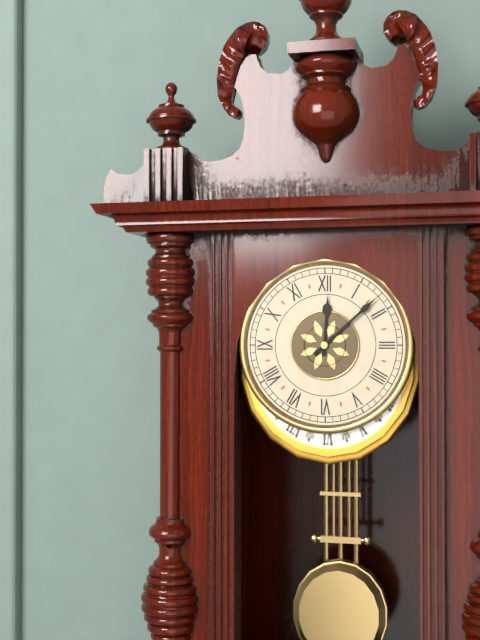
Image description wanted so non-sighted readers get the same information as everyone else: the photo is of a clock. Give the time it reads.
12:08
